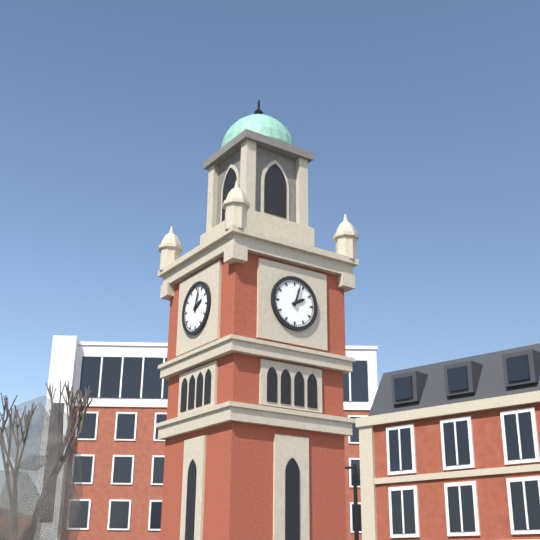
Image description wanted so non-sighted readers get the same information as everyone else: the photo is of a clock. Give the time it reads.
2:03
